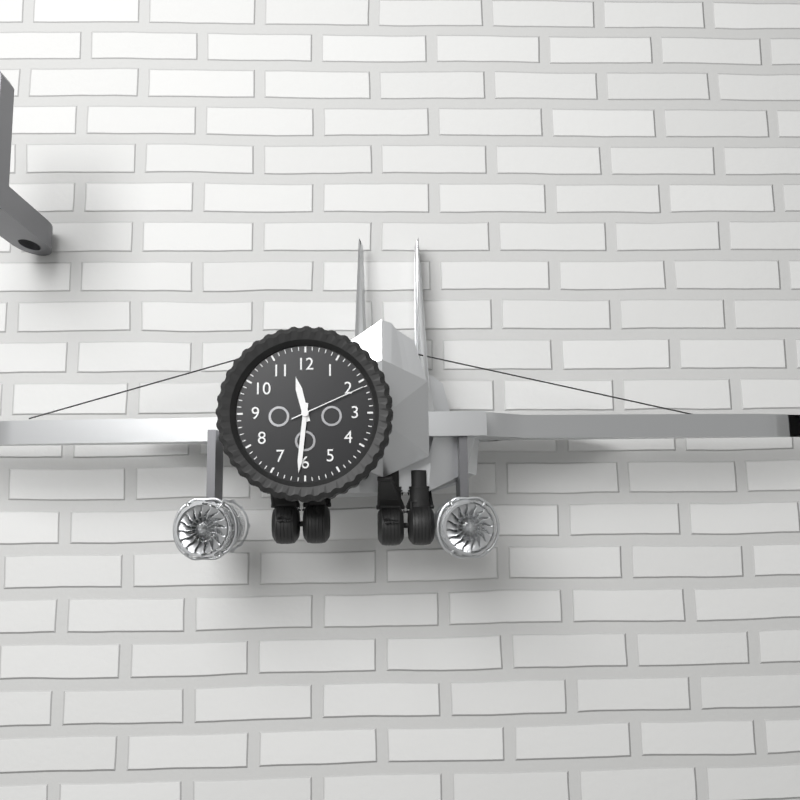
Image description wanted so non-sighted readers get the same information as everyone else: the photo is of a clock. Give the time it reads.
11:31:11
